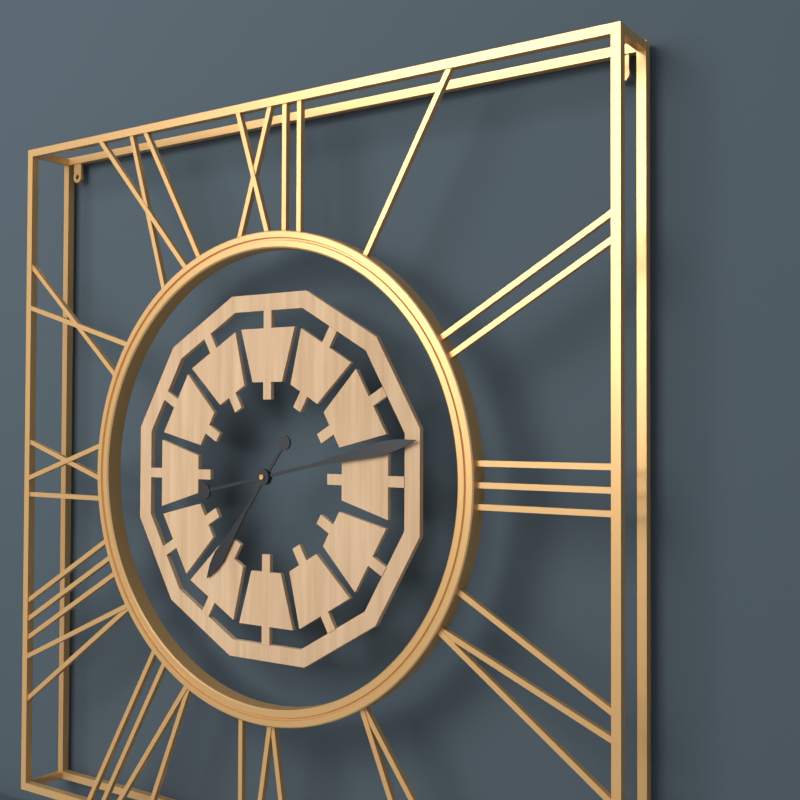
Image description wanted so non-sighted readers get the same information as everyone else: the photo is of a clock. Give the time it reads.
7:13
